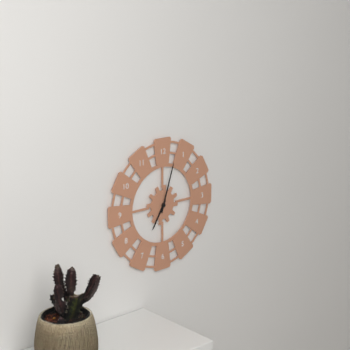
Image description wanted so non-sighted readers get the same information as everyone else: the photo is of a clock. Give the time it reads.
7:03
